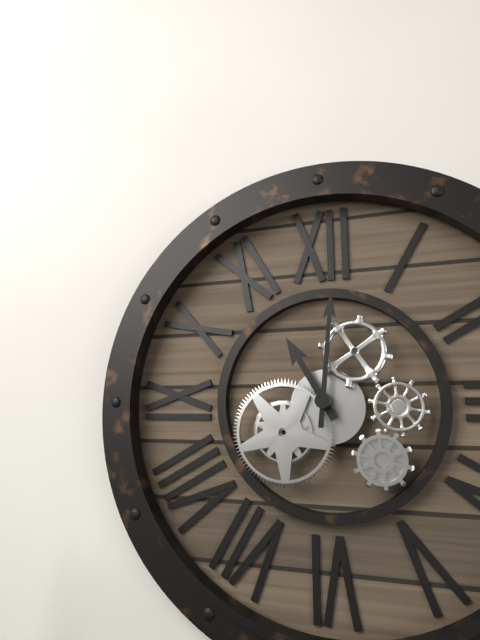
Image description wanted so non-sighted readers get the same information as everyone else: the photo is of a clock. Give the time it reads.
11:01
